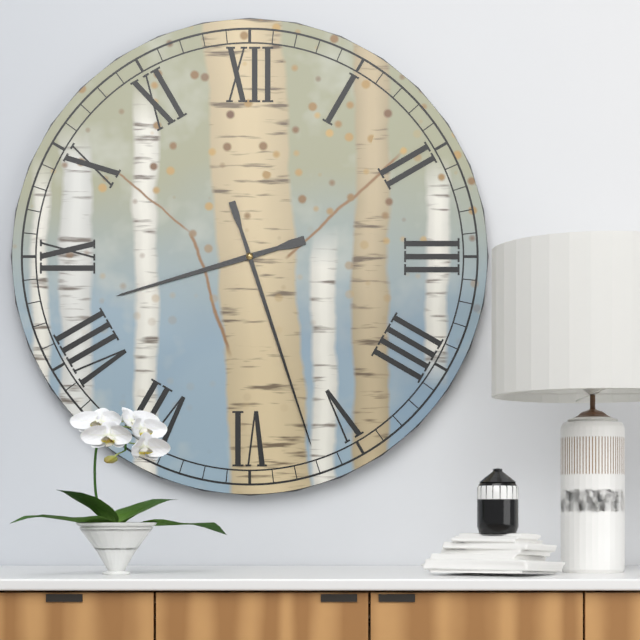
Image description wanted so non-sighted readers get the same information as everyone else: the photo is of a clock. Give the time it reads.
8:27
